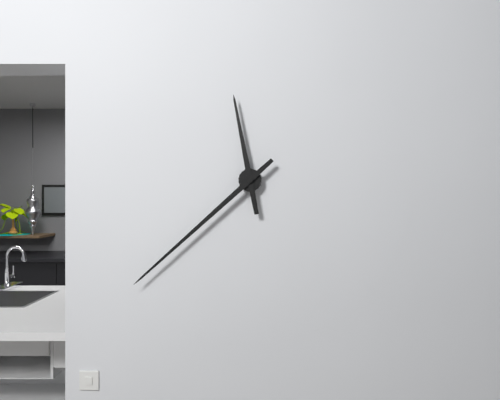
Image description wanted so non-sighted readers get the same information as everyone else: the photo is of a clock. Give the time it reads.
11:38
